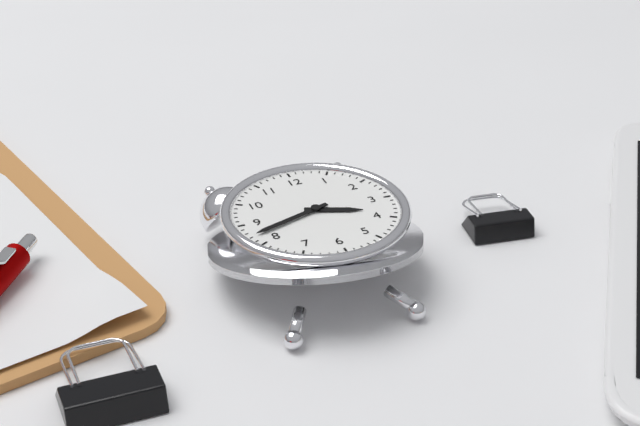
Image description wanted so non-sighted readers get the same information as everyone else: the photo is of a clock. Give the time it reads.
3:42
